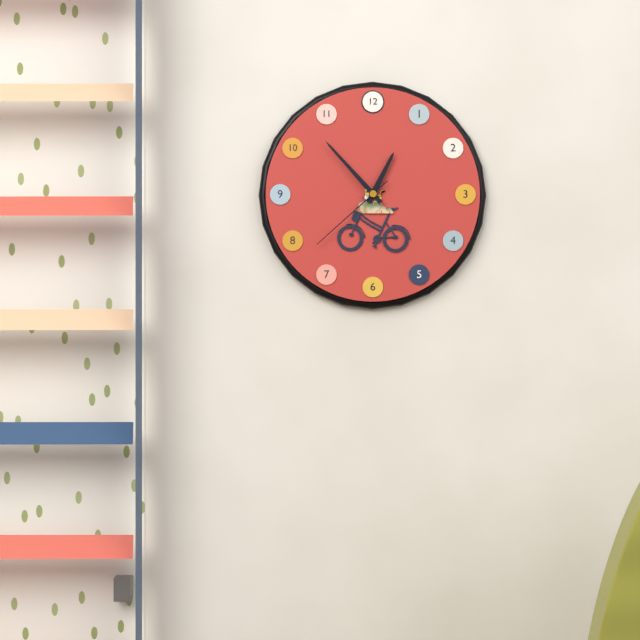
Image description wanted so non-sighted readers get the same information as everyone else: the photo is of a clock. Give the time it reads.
12:53:38
